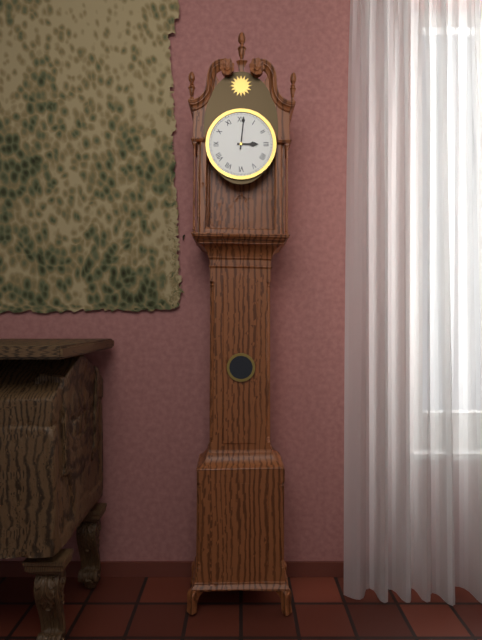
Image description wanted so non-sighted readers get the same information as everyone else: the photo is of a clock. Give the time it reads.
3:01
